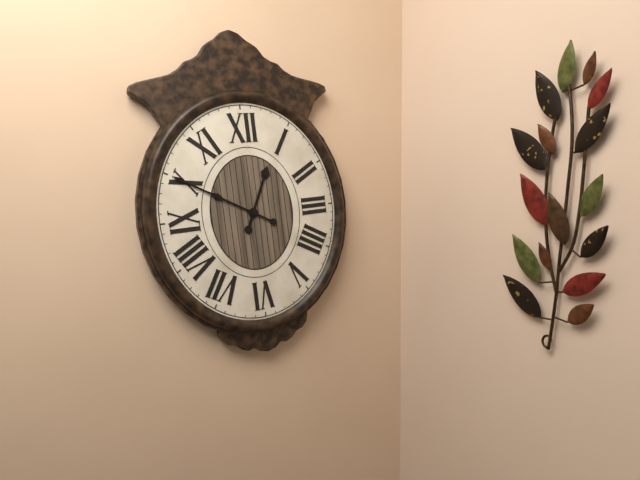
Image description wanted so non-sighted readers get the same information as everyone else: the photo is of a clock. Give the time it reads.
12:50
